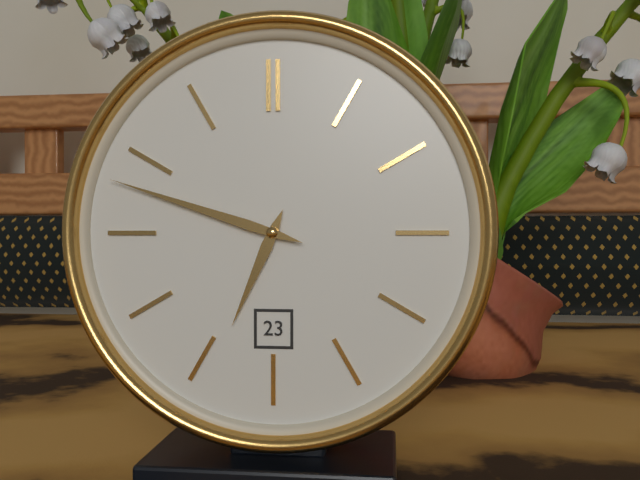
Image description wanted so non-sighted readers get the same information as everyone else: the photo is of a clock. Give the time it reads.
6:48
